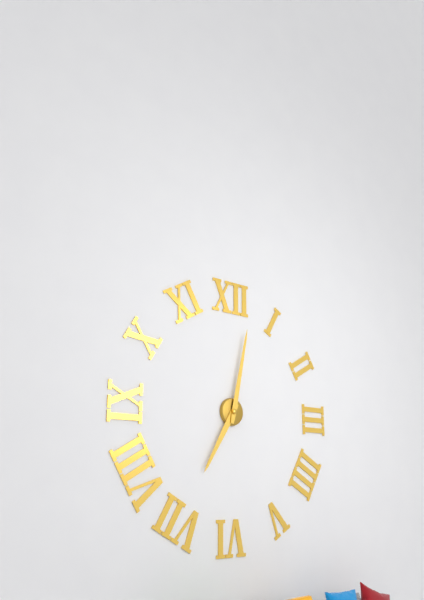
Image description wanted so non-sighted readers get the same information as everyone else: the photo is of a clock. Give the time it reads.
7:02
